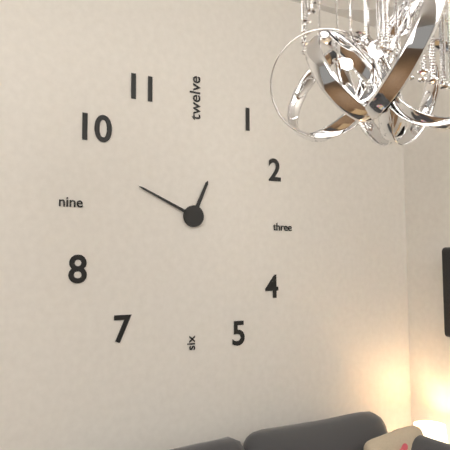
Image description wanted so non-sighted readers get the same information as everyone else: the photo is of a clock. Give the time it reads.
12:49
